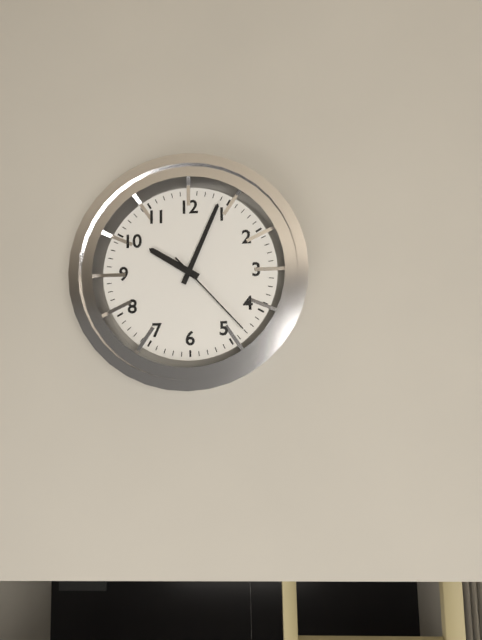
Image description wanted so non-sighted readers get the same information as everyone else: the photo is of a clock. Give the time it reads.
10:04:23
